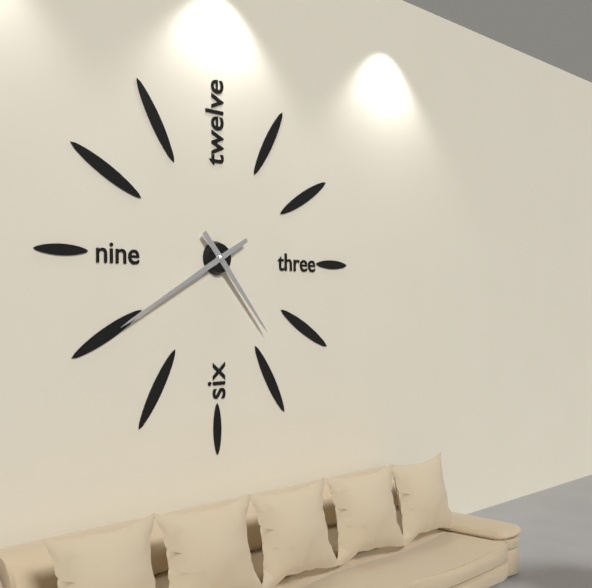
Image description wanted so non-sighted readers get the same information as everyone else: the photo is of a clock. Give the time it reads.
4:40
